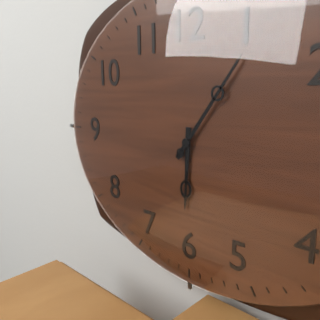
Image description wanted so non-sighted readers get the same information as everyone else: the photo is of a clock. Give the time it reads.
6:06
